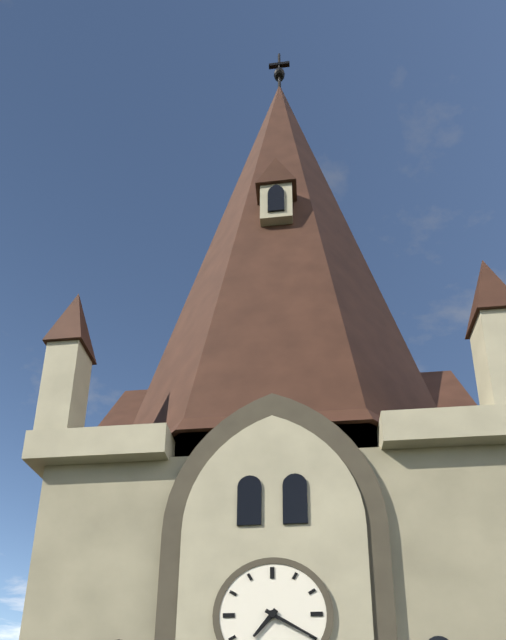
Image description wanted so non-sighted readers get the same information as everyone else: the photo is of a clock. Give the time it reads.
7:20
